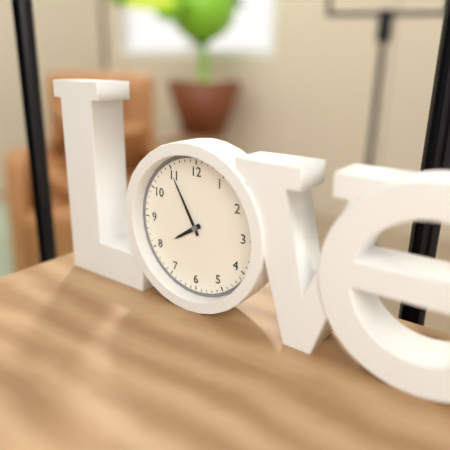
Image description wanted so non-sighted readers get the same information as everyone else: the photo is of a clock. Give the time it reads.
7:55
